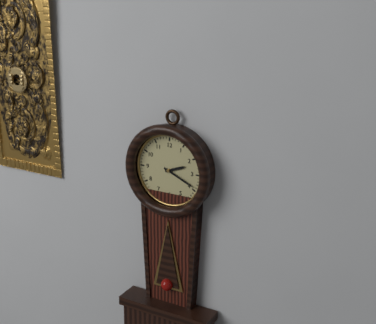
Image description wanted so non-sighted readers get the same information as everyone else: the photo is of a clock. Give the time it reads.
2:19
